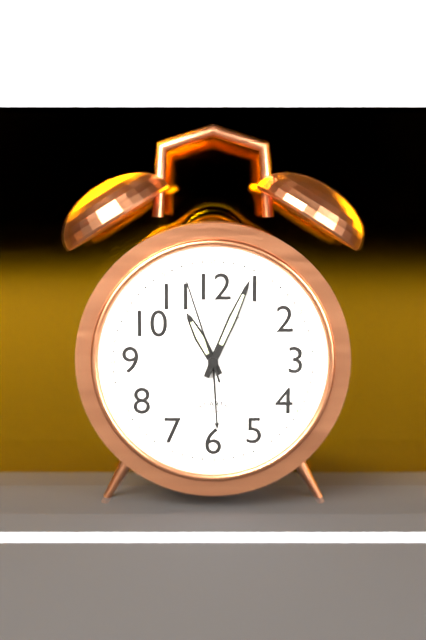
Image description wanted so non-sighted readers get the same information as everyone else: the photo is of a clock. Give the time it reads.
11:04:57
